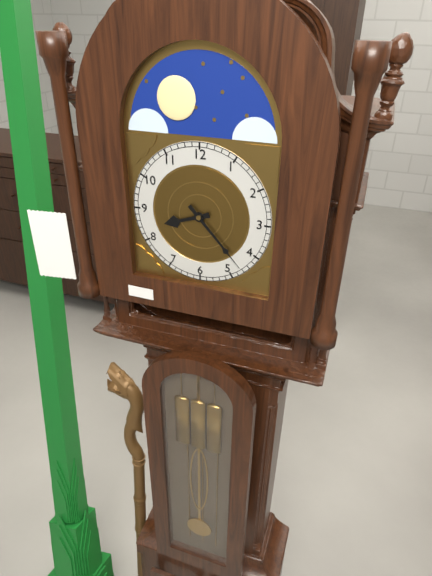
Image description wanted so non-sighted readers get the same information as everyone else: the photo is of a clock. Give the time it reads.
8:23
